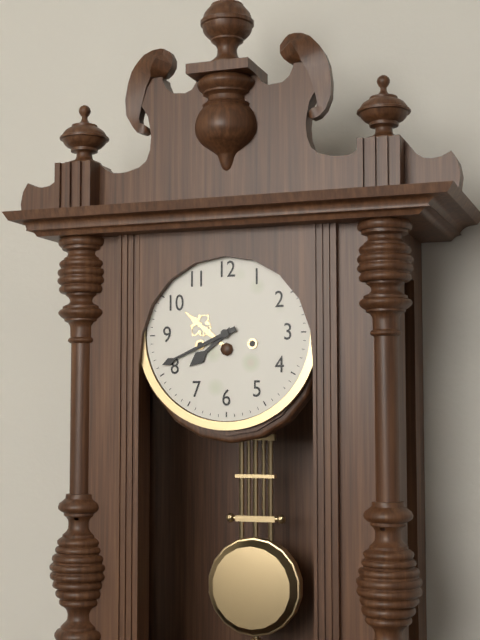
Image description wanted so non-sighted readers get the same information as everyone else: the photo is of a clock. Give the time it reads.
7:41
